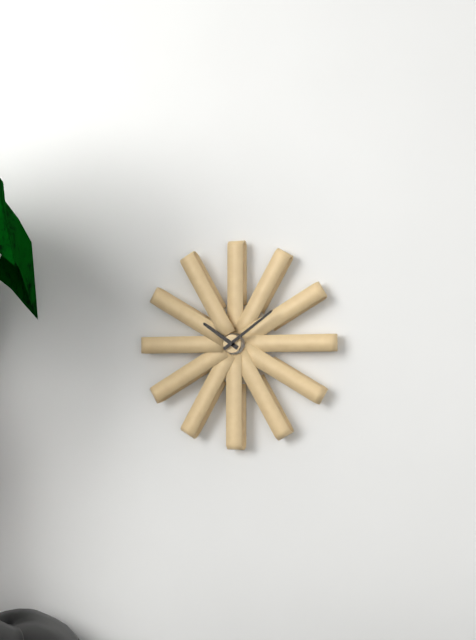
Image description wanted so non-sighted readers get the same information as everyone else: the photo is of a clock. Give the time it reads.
10:09
